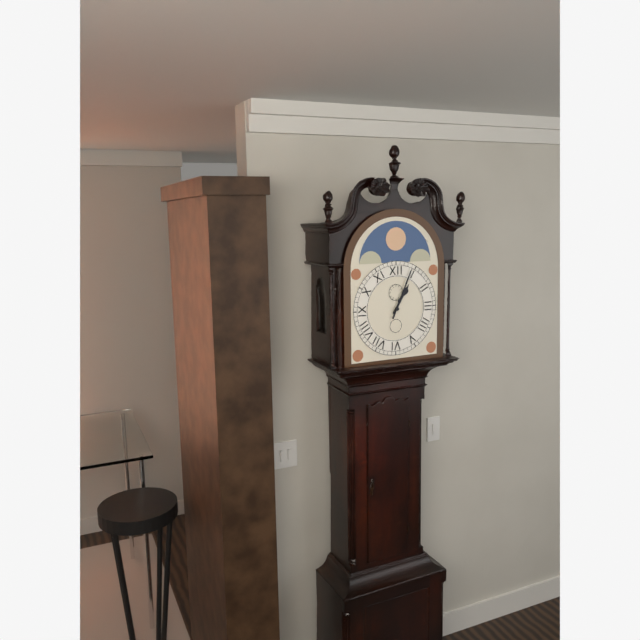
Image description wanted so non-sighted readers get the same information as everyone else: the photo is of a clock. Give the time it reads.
1:04
